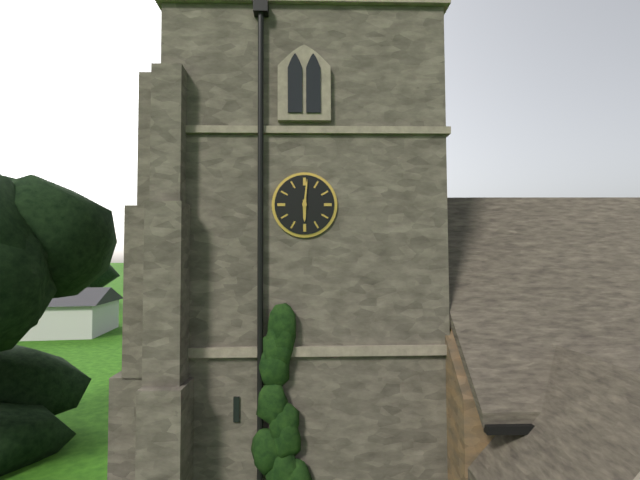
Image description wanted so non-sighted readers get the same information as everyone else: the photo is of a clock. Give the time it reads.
6:01
